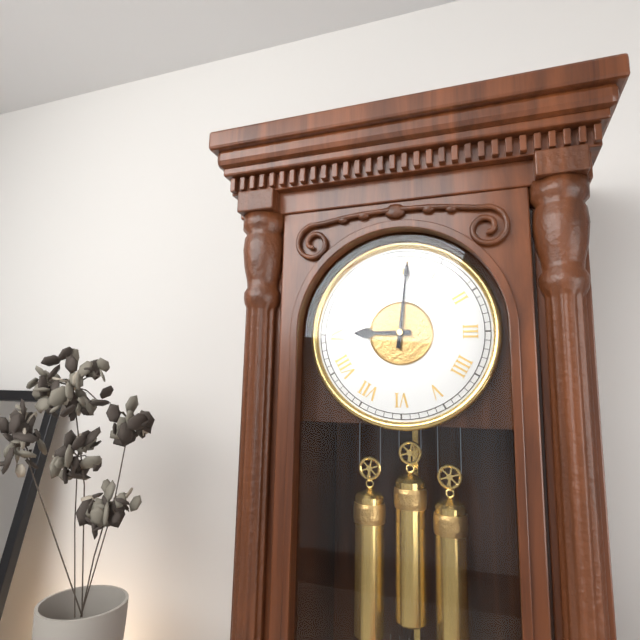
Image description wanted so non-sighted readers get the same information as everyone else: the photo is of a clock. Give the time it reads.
9:01
